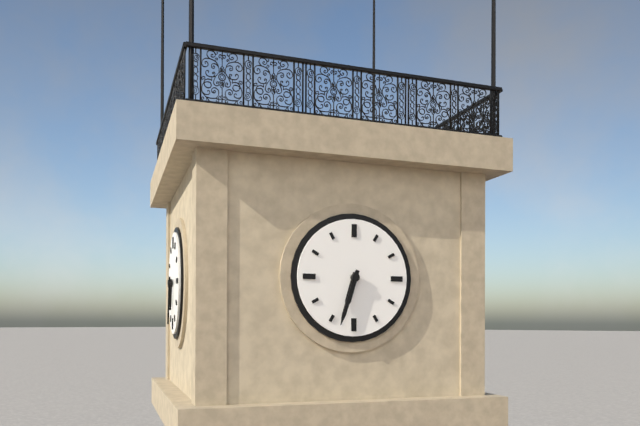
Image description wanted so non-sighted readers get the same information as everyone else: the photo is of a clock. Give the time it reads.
6:33
